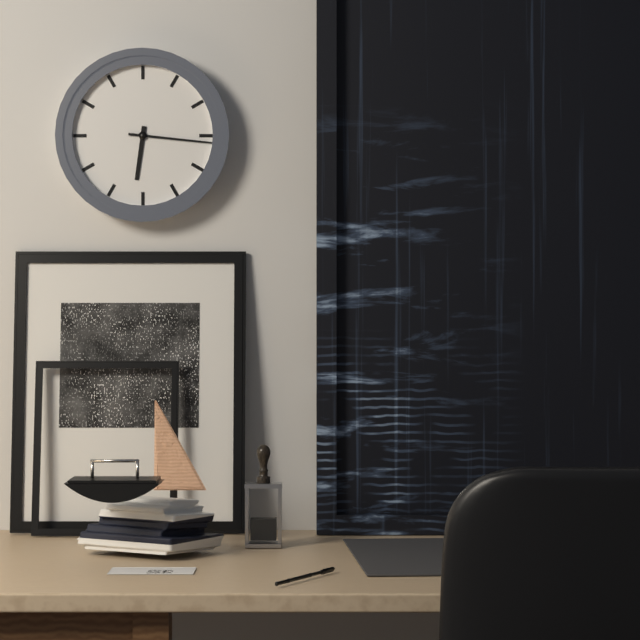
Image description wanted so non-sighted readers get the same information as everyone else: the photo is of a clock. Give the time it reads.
6:16
